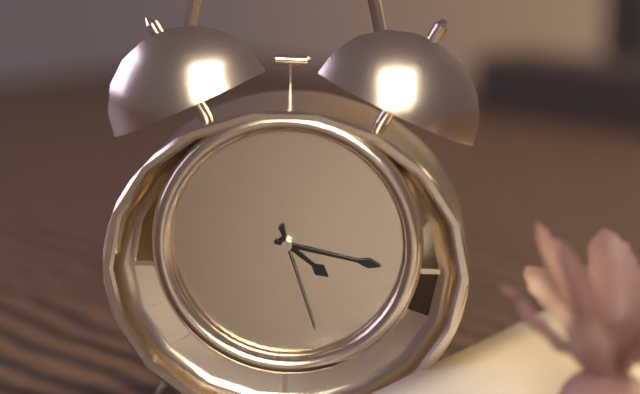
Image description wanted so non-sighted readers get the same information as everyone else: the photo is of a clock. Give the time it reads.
4:17:27
